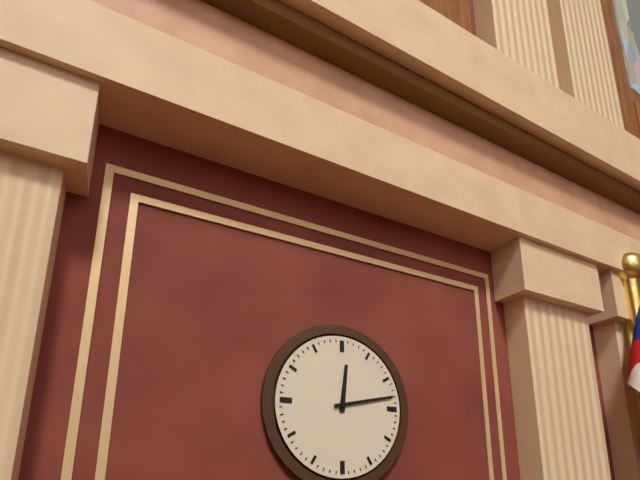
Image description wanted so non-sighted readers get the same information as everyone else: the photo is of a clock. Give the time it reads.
12:13
